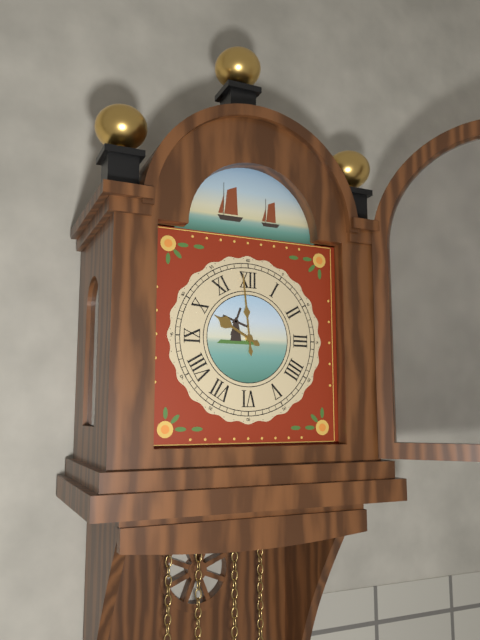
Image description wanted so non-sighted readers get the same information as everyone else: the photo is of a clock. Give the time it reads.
9:59
